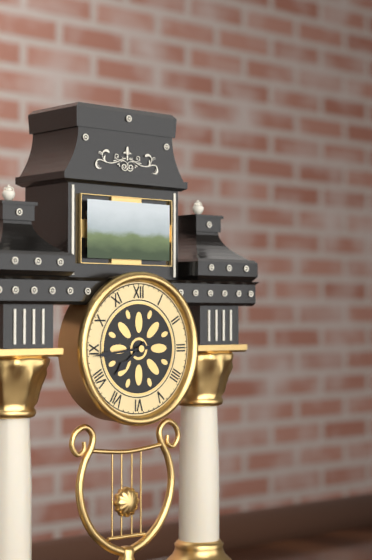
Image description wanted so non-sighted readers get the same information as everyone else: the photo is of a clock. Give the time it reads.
7:44
